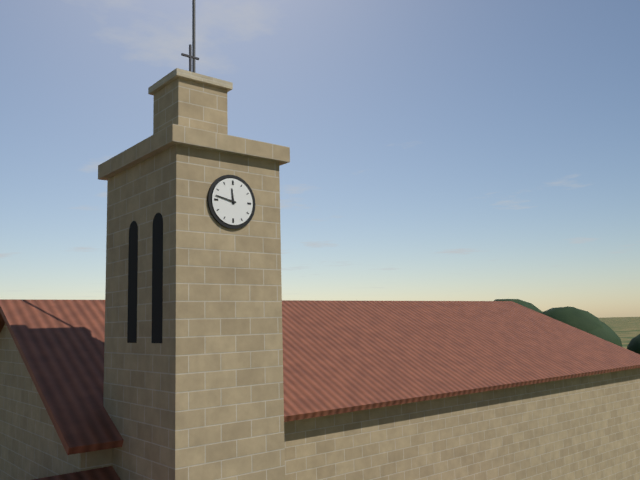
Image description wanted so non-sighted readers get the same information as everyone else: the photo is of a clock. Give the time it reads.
11:47
